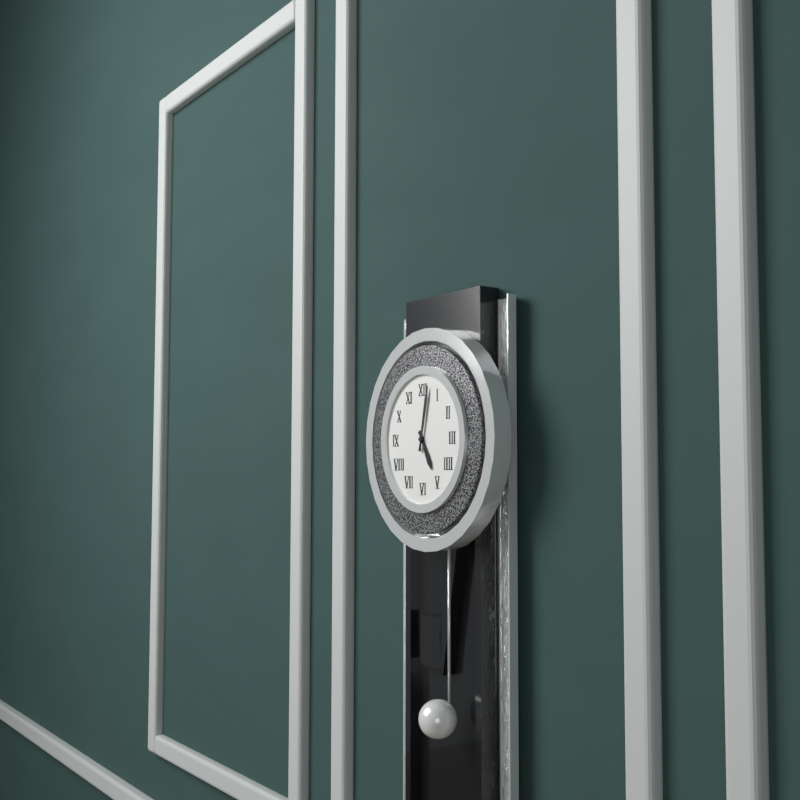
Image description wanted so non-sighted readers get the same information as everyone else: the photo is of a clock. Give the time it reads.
5:02
